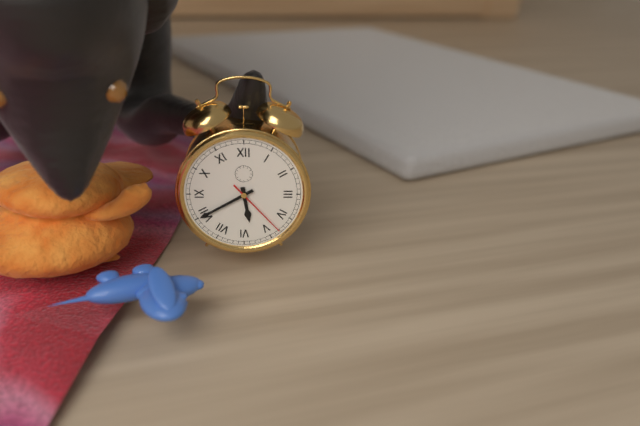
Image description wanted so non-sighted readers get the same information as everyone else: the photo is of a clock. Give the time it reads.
5:40:23
